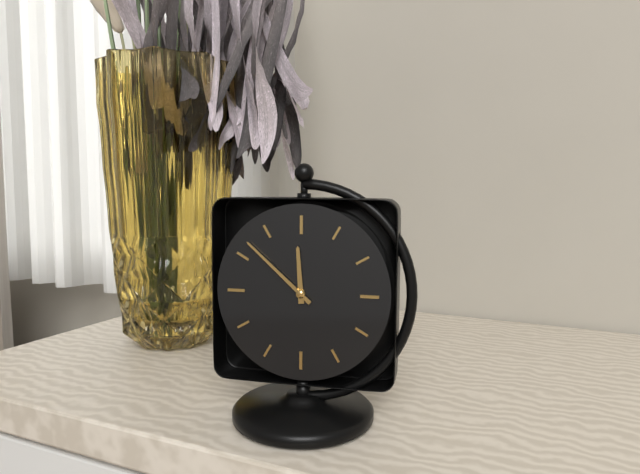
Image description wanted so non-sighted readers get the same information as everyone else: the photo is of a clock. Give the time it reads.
11:52
